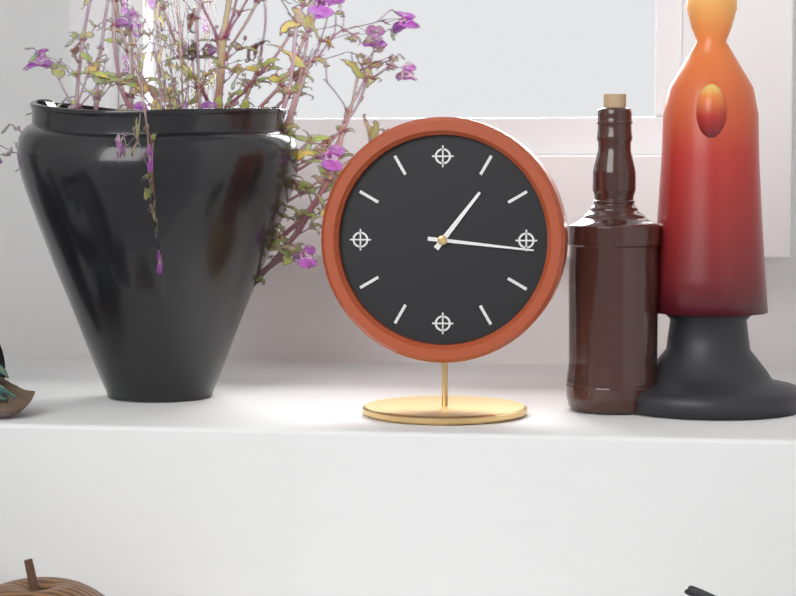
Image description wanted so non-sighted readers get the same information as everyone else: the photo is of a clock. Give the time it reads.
1:16
